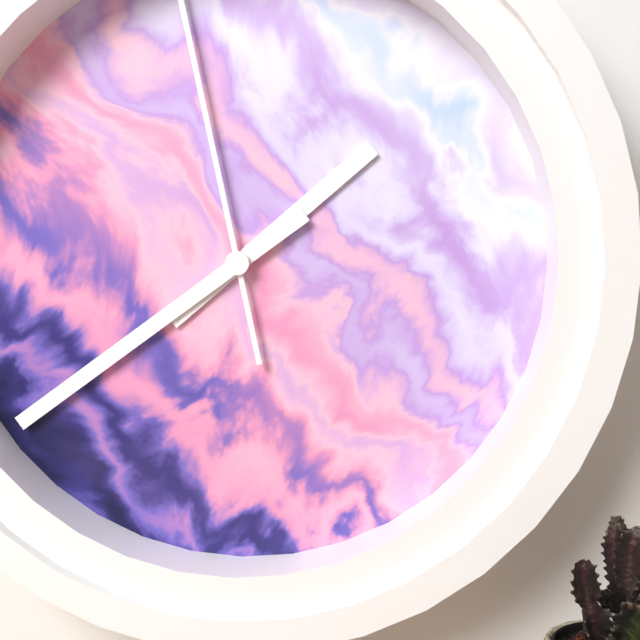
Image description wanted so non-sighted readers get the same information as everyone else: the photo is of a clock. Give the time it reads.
1:39
